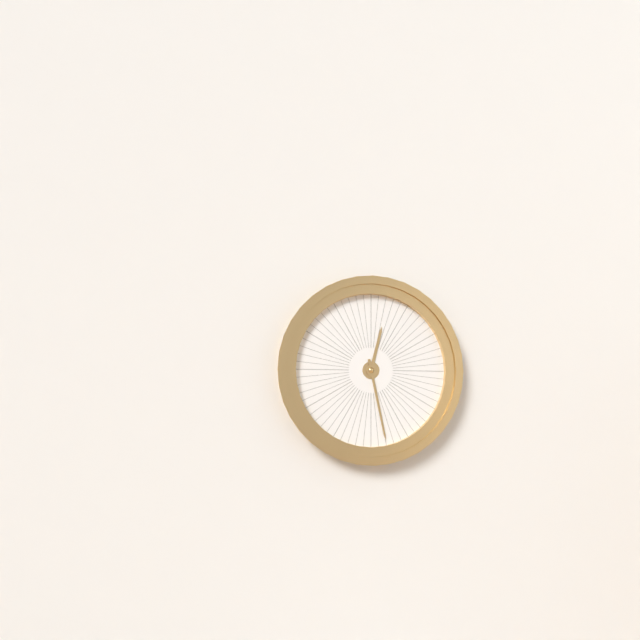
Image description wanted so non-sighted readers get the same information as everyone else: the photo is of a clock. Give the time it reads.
12:28
